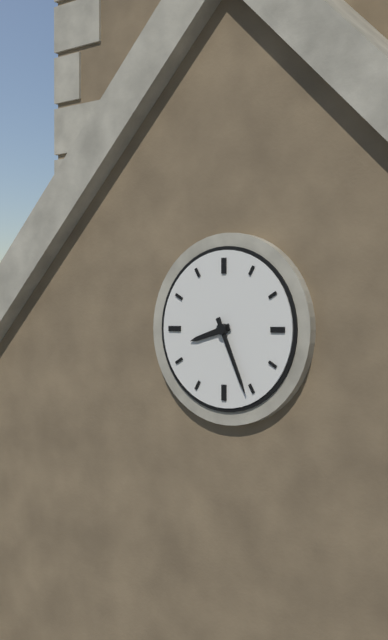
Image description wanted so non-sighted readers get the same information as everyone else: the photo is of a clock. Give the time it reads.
8:26
